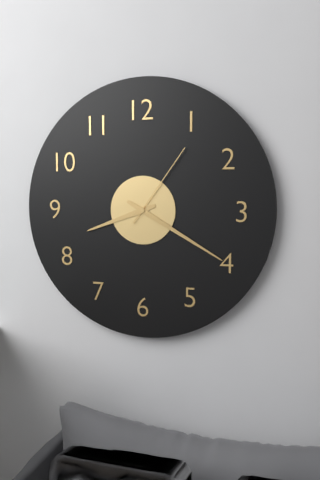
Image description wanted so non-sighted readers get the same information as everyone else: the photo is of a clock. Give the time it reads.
8:20:06
